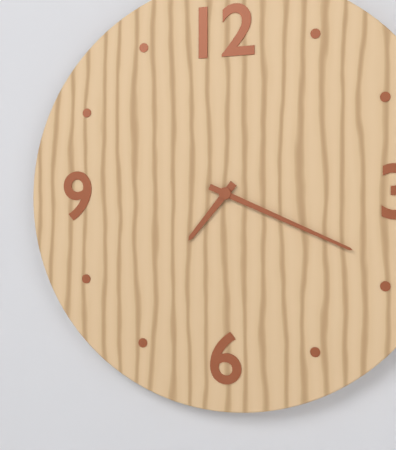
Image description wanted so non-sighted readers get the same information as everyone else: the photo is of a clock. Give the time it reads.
7:19
